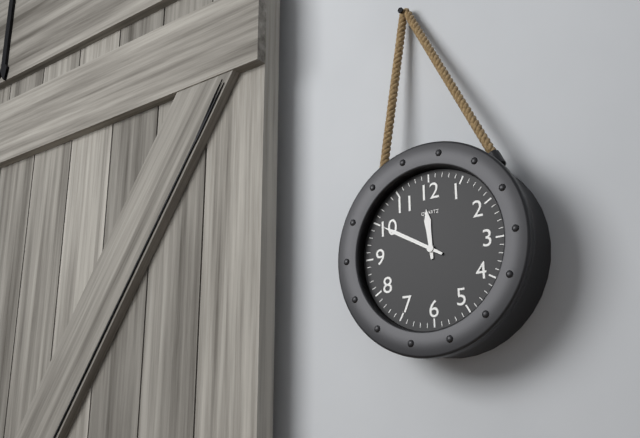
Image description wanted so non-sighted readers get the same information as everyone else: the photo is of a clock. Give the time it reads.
11:50
